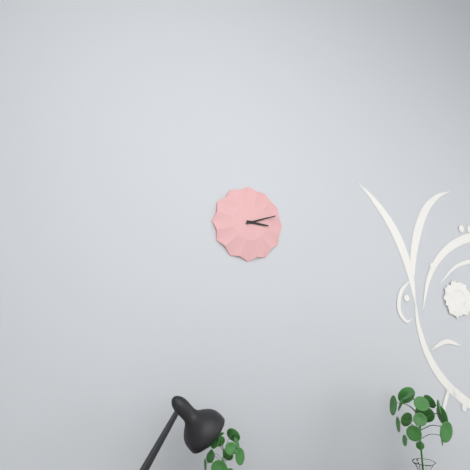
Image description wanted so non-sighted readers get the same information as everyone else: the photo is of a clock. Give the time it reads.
3:12
